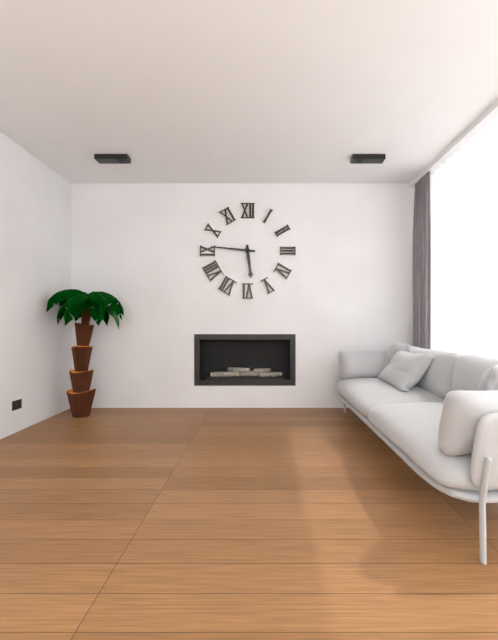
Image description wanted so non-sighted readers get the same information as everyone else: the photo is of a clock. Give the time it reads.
5:46
